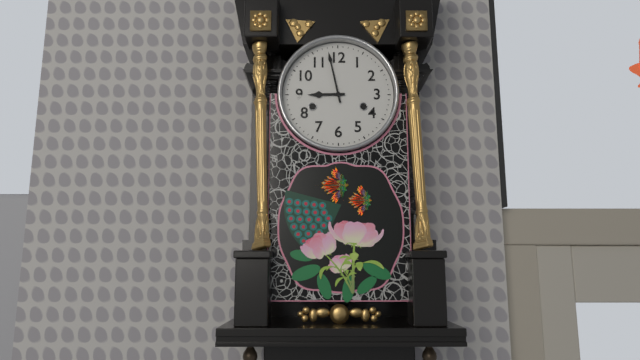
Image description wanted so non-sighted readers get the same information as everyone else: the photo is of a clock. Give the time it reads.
8:58
